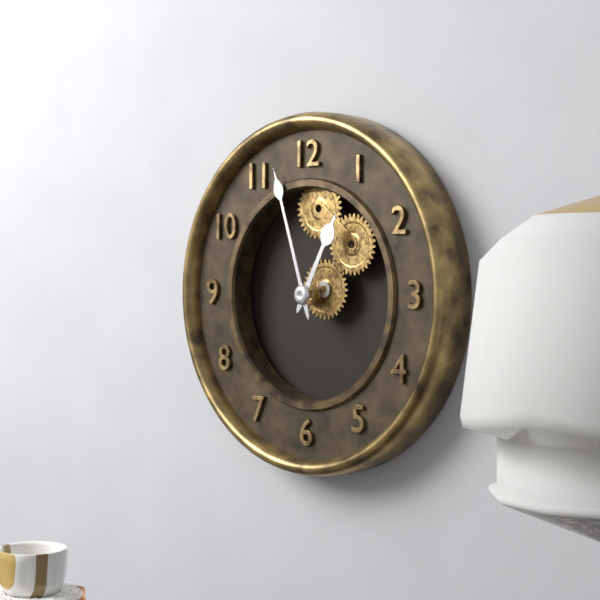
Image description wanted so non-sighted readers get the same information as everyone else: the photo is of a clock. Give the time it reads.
12:57
